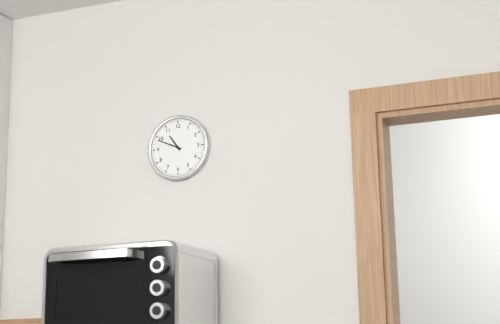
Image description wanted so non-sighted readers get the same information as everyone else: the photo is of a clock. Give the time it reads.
10:49
